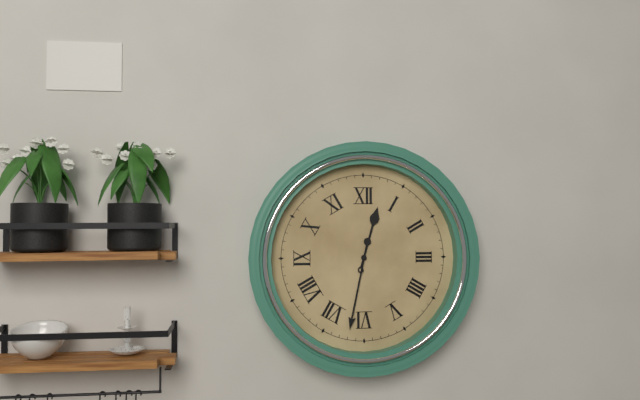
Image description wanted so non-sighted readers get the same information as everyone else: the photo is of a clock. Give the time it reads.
12:32
